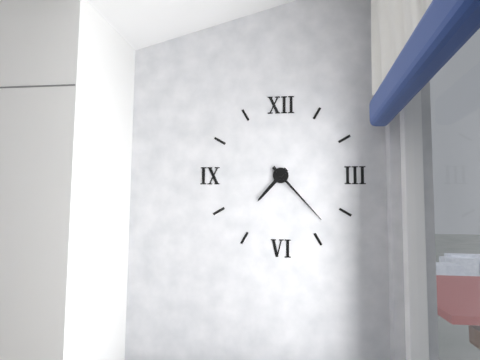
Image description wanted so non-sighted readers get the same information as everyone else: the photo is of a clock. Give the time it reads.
7:23
